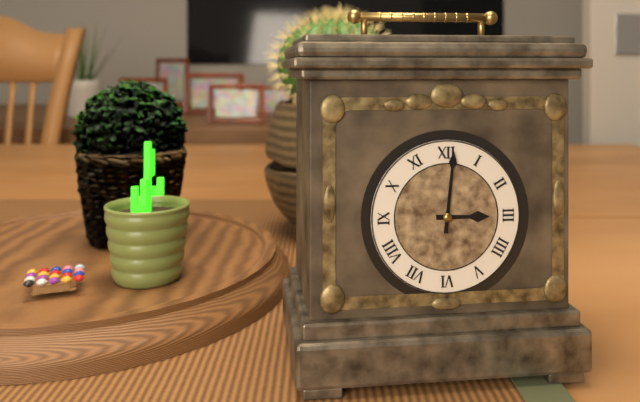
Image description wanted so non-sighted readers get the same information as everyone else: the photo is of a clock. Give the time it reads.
3:01
